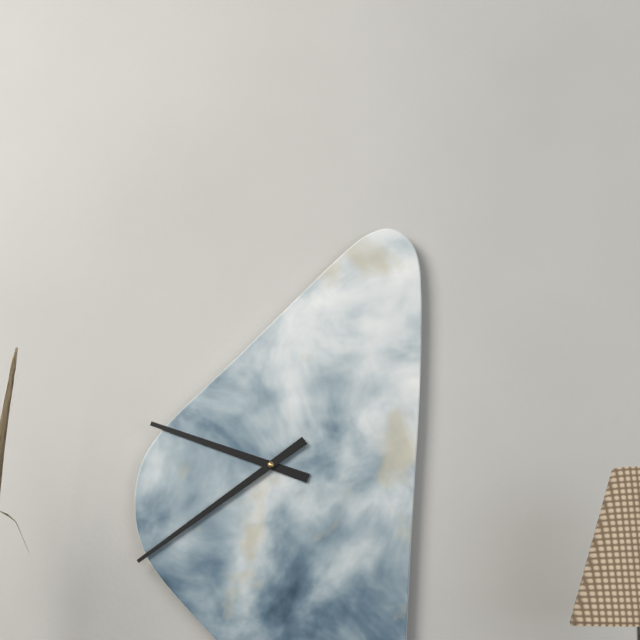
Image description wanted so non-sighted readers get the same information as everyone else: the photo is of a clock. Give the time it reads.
9:39
